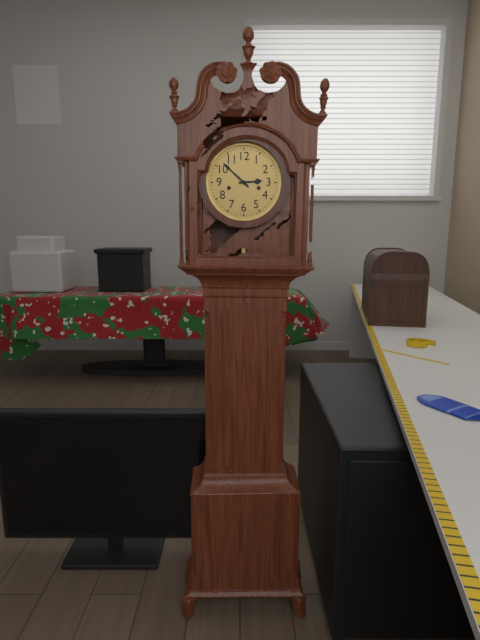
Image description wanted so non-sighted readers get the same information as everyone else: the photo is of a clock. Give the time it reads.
2:52
